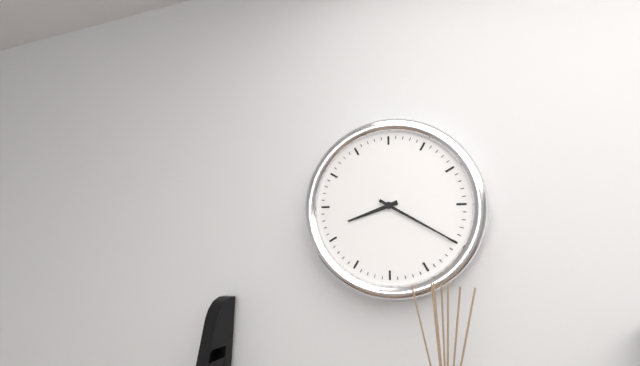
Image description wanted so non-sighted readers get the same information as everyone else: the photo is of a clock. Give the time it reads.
8:20
